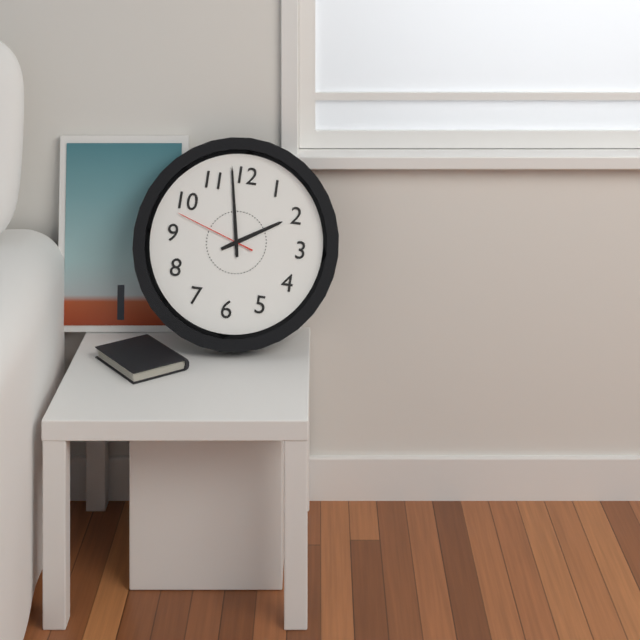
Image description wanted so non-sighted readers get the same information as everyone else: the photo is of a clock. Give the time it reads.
1:58:48
